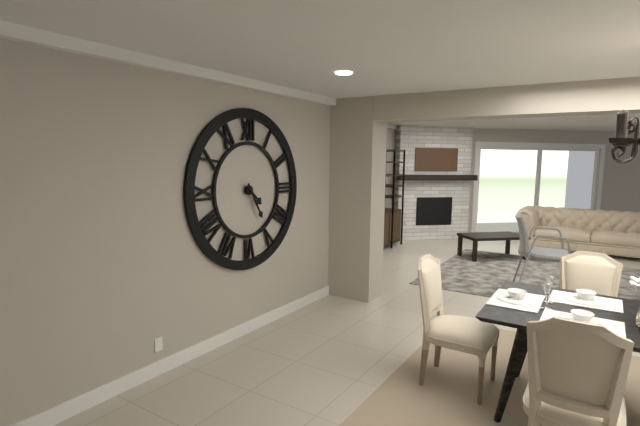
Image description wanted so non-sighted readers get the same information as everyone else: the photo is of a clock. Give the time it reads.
4:25
